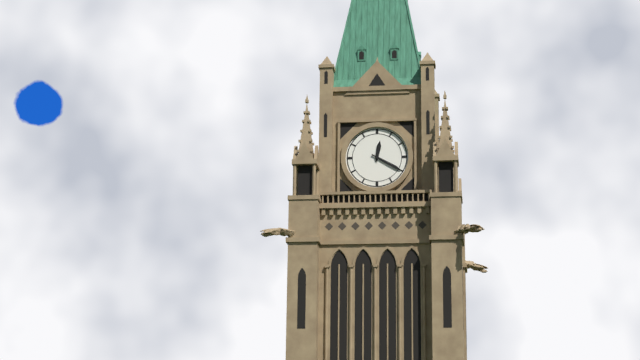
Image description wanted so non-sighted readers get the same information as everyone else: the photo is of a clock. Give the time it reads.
12:20
